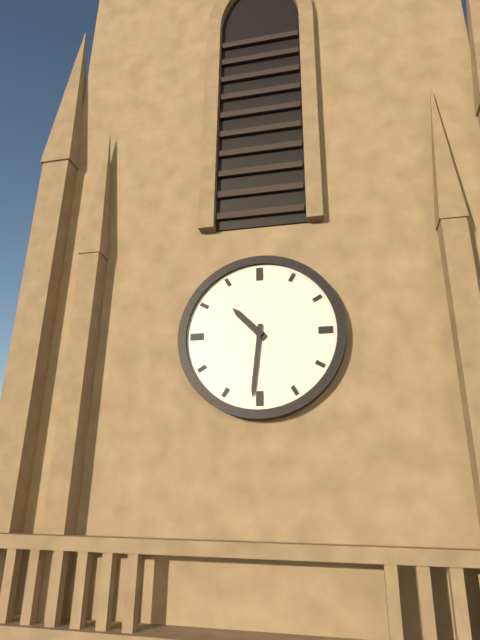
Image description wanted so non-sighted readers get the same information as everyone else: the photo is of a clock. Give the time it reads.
10:31
